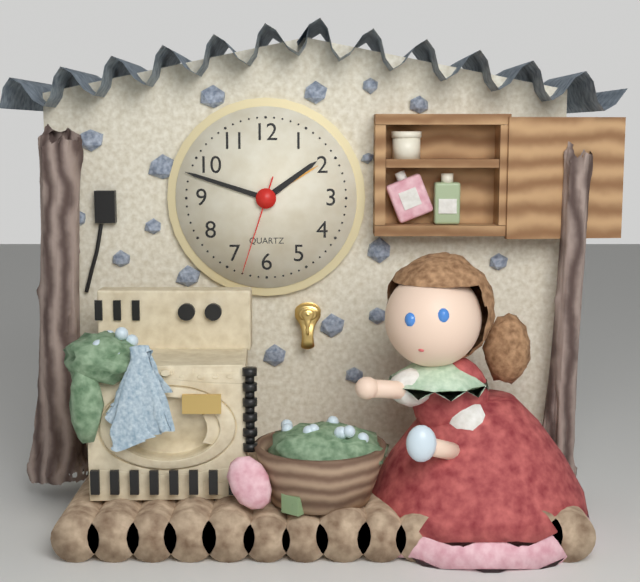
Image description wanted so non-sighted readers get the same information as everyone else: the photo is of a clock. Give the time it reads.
1:48:33
